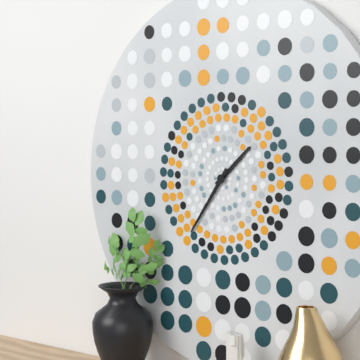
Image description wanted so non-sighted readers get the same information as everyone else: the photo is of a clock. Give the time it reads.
1:36
